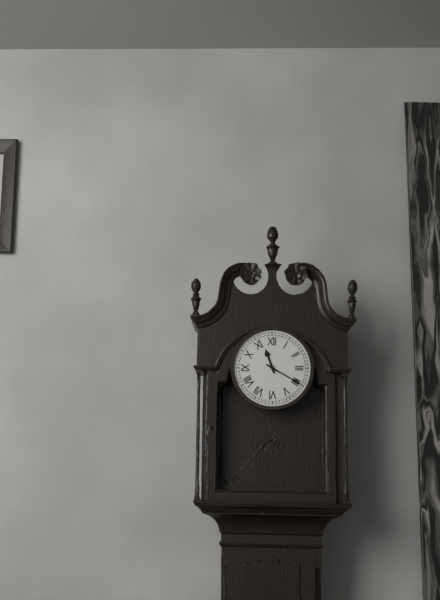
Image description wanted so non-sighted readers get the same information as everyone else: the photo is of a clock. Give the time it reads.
11:20
